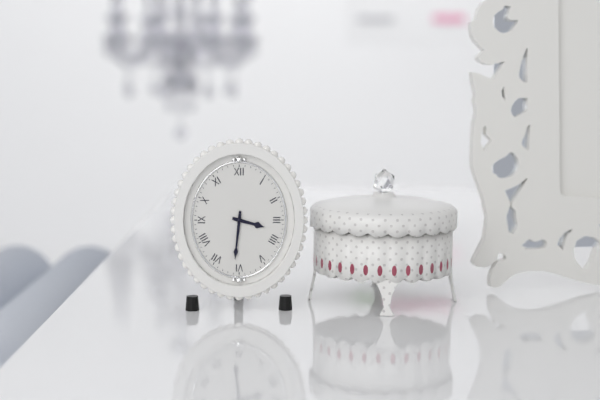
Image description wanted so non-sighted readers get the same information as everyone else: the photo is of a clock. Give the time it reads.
3:31
